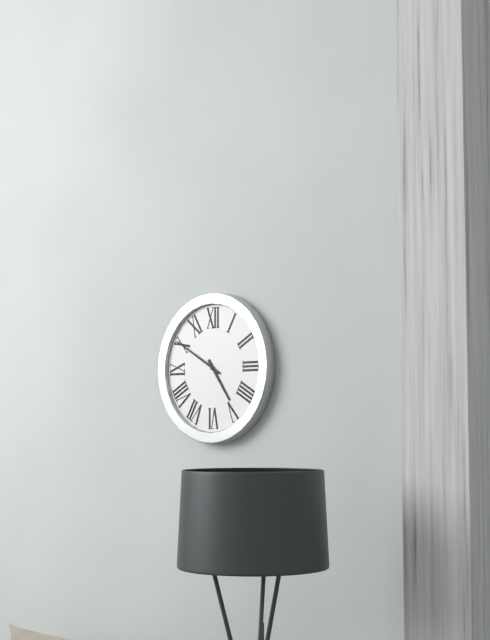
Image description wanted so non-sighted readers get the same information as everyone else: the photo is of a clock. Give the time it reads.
4:50
